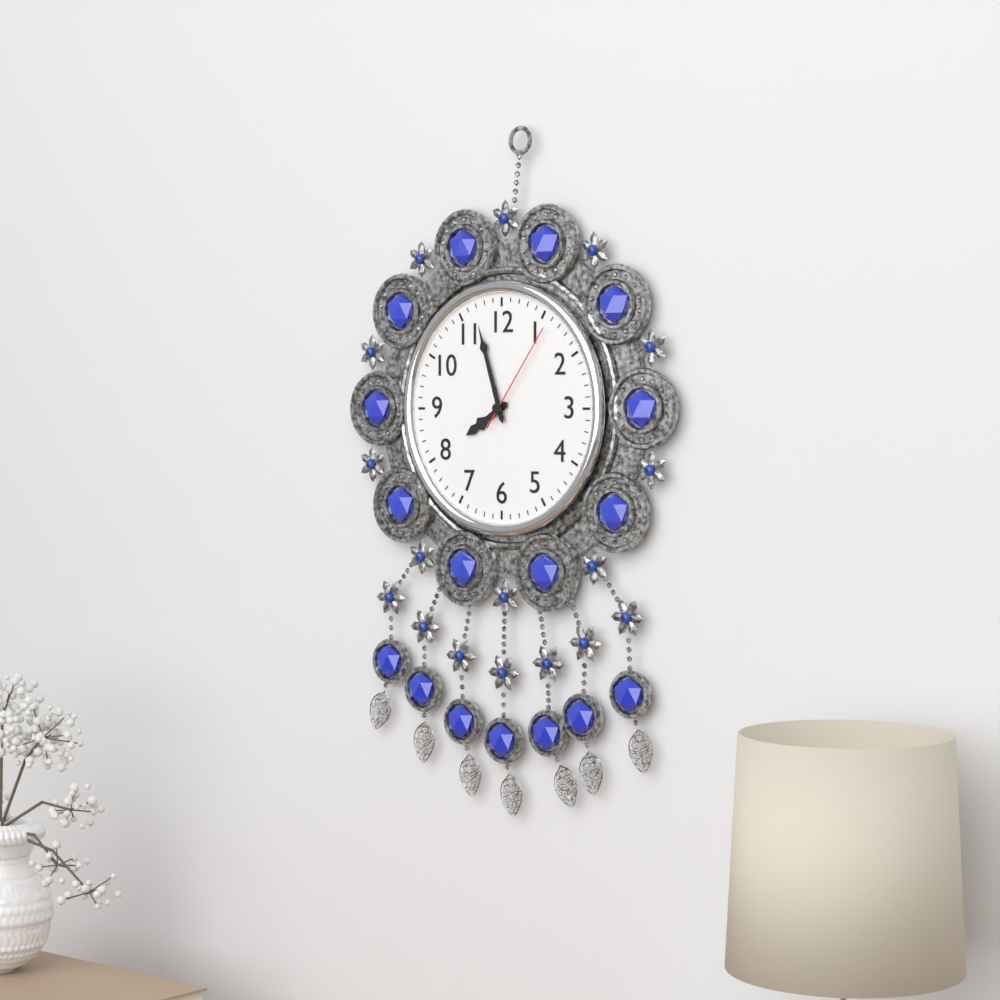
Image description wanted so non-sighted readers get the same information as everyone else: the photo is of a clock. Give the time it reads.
7:57:06
